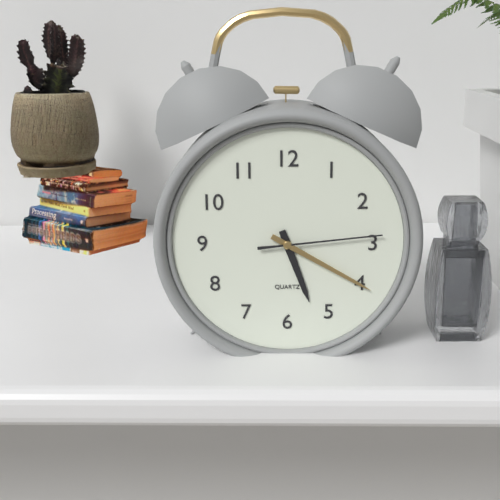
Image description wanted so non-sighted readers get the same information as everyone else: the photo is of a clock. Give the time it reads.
5:20:14
